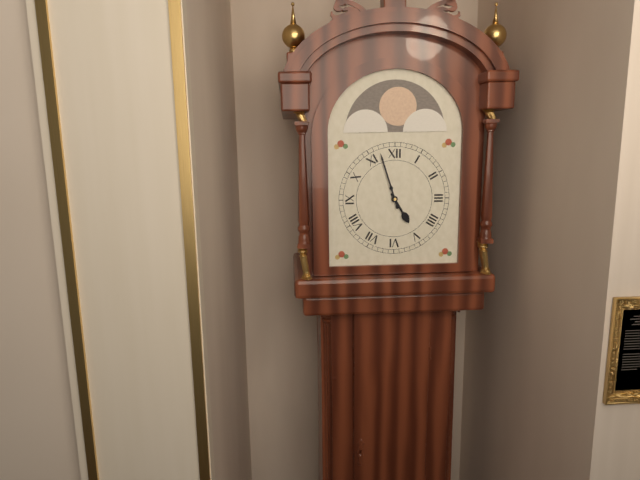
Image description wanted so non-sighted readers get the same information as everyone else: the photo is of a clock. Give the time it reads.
4:57
